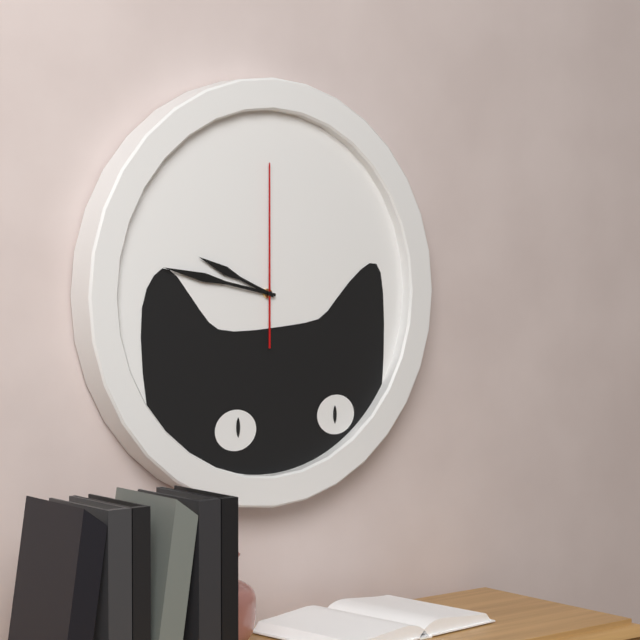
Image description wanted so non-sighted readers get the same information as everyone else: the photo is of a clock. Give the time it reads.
9:47:00
